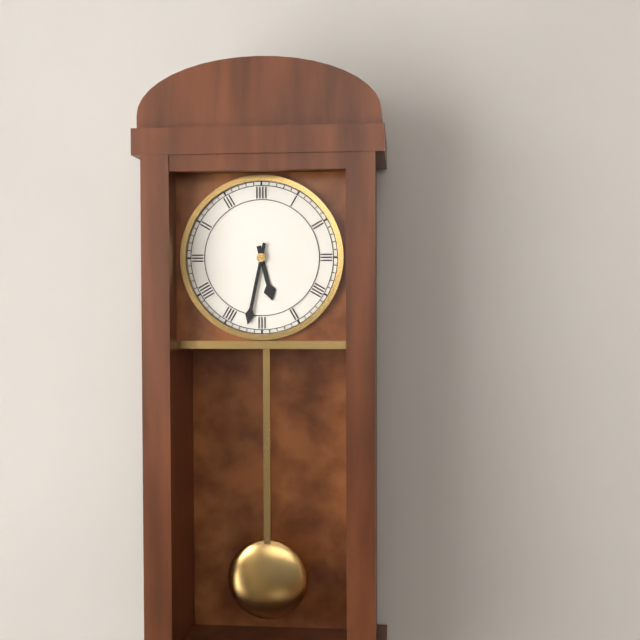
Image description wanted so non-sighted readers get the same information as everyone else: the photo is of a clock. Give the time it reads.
5:32
